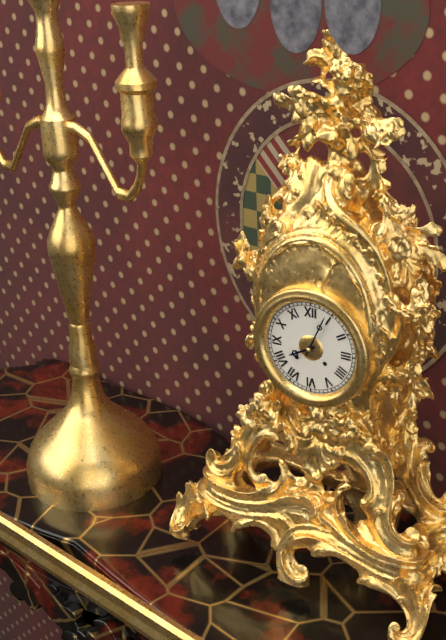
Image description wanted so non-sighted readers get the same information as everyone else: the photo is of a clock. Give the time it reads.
8:04
